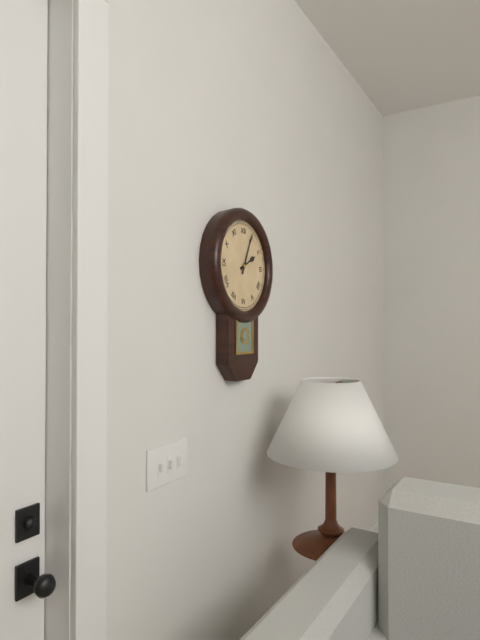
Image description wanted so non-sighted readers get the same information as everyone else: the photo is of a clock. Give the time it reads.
2:04
